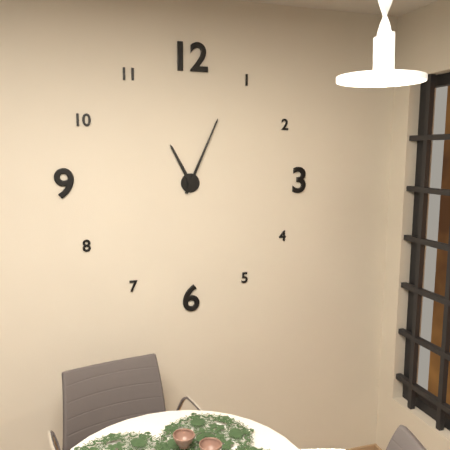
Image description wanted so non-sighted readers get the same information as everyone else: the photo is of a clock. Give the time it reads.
11:04
